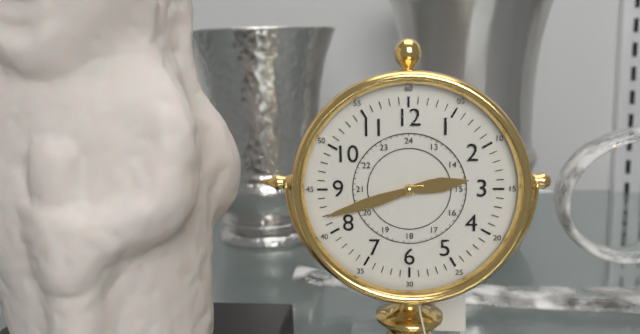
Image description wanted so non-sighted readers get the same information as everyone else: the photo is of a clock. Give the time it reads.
2:42
